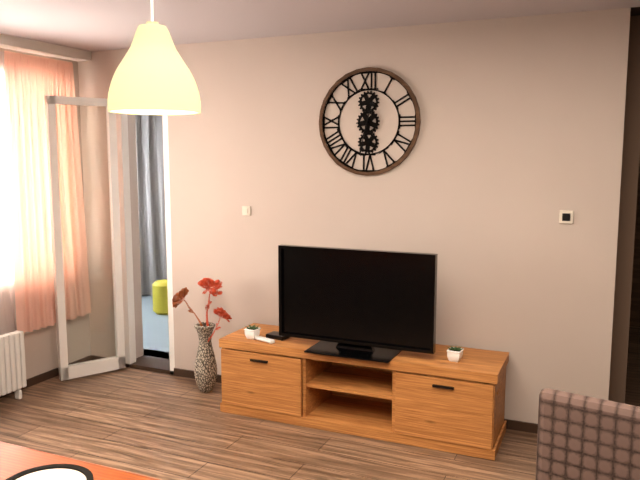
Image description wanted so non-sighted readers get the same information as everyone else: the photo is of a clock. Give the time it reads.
12:32
